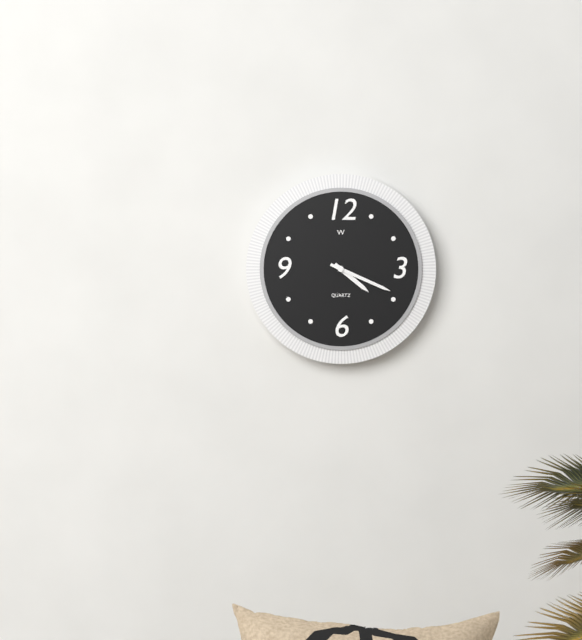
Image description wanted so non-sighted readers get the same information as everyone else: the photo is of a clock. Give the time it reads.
4:19
